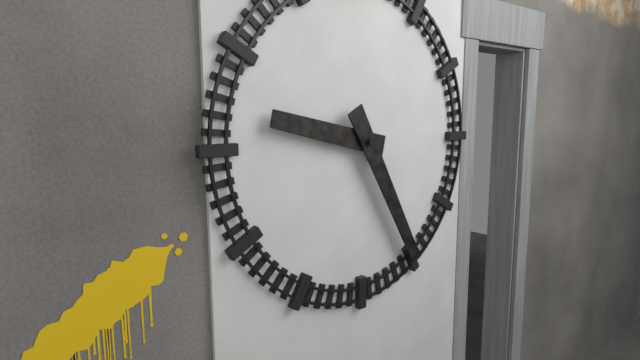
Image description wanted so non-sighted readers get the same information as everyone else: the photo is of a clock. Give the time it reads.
9:25
